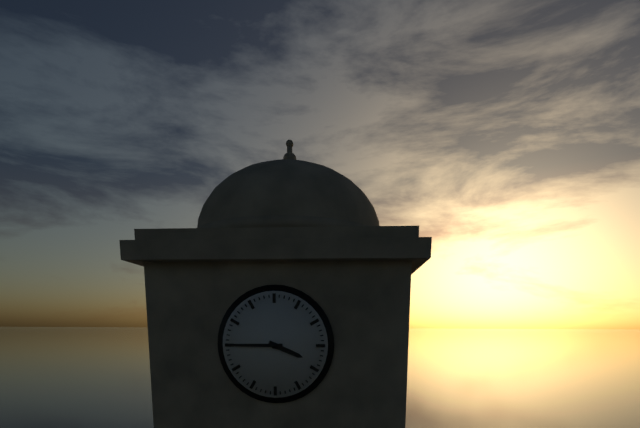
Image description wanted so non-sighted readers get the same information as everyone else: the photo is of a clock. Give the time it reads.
3:45
